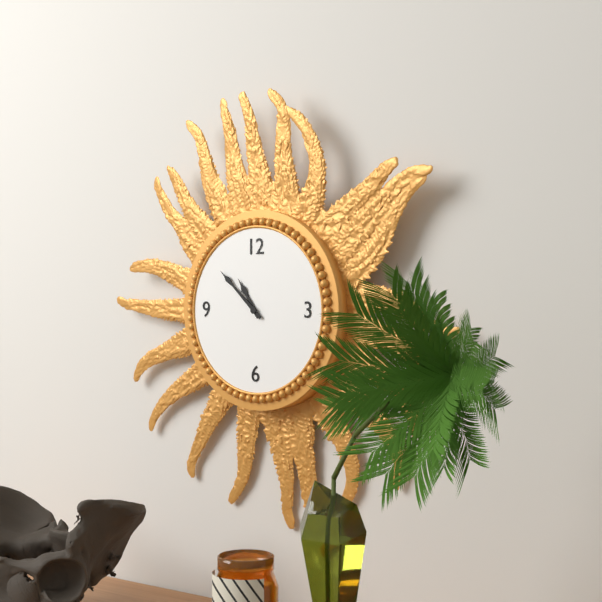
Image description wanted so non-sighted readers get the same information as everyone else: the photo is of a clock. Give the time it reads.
10:52
